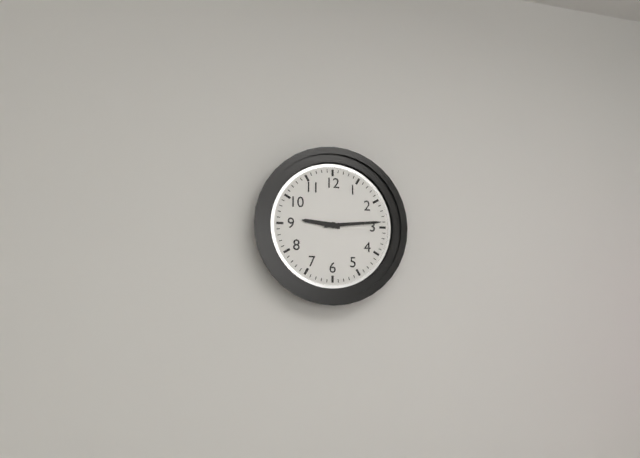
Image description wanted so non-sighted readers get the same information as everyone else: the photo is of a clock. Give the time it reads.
9:14
